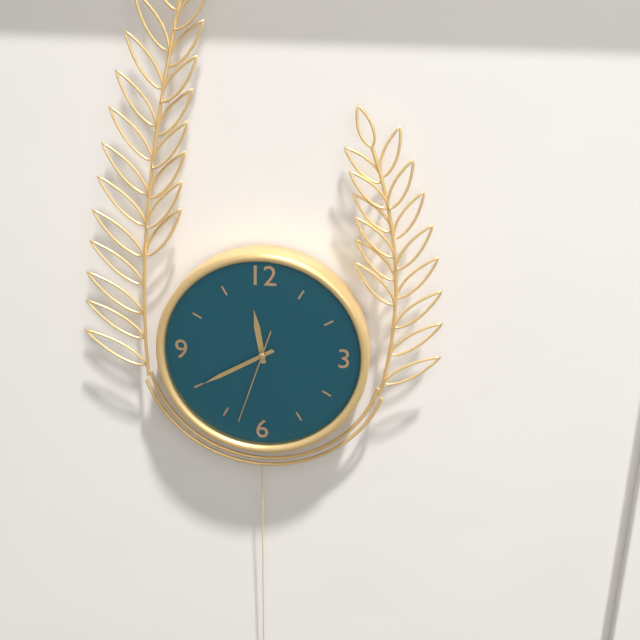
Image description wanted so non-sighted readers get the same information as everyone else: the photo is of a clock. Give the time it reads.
11:40:33
